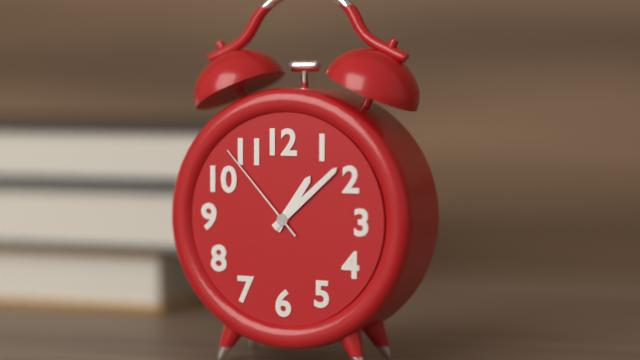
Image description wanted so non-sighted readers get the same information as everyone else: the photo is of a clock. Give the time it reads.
1:08:53
